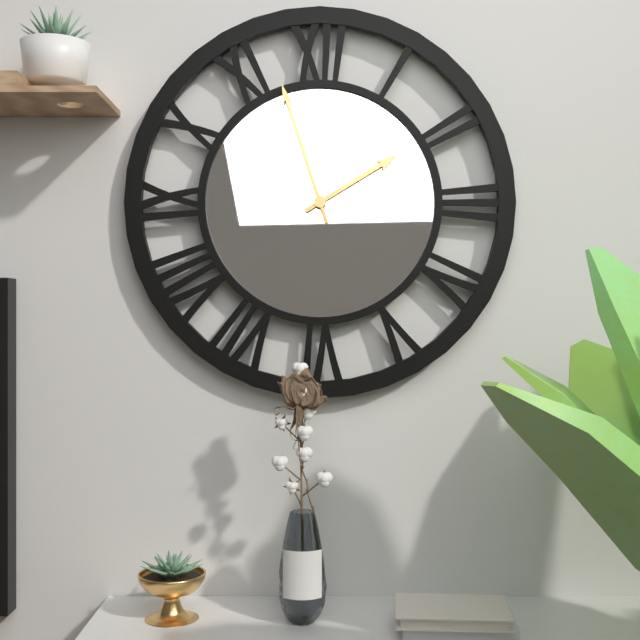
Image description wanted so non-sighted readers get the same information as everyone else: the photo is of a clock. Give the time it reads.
1:57
